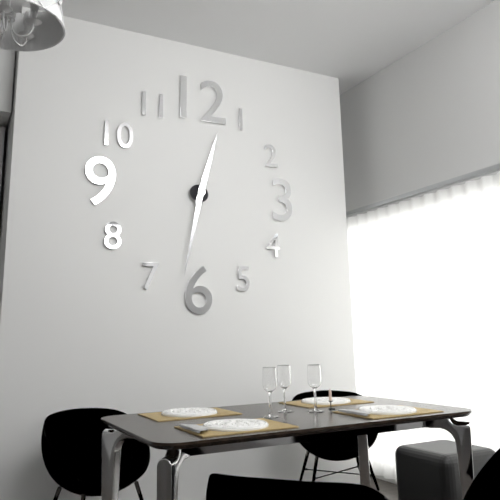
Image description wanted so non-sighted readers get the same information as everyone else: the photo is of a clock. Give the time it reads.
12:32
